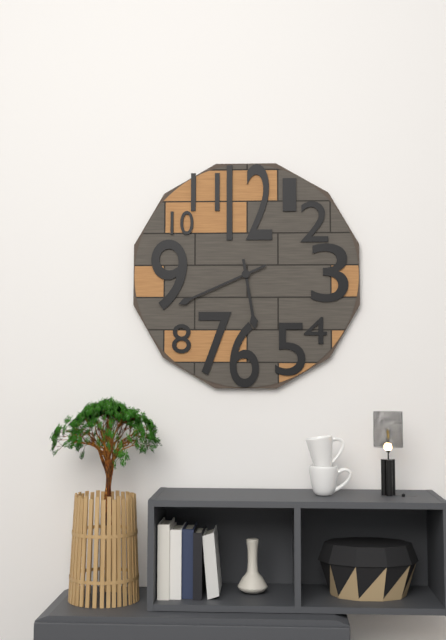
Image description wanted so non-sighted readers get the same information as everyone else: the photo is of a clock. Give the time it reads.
5:41
